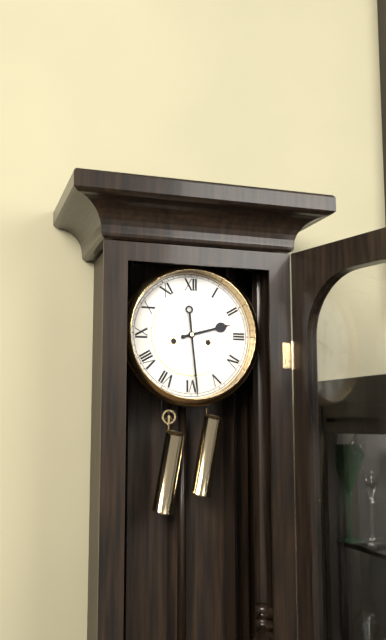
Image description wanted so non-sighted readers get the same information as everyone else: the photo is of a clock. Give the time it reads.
2:29
